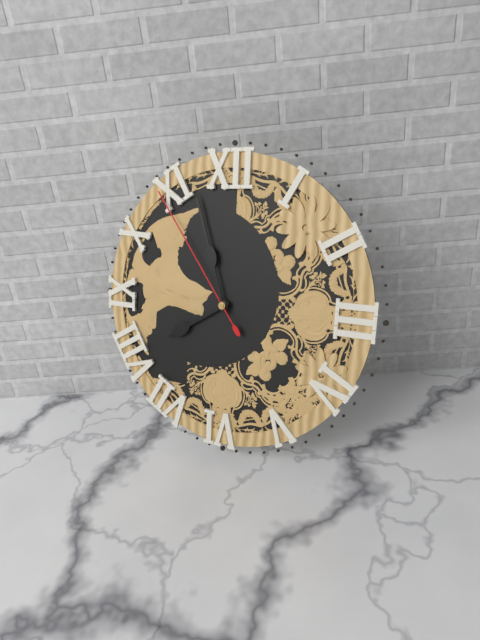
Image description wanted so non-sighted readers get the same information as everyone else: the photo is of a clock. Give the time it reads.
7:57:54
